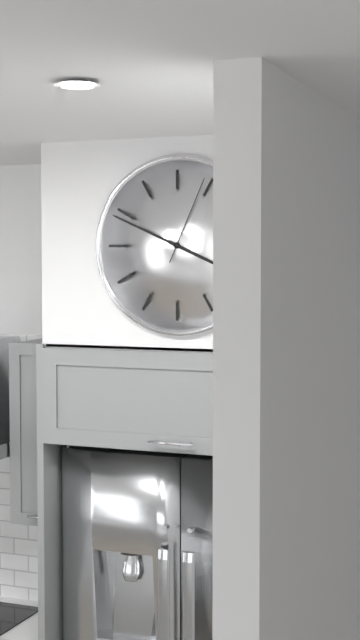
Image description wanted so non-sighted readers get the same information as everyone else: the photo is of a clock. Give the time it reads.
3:49:04
